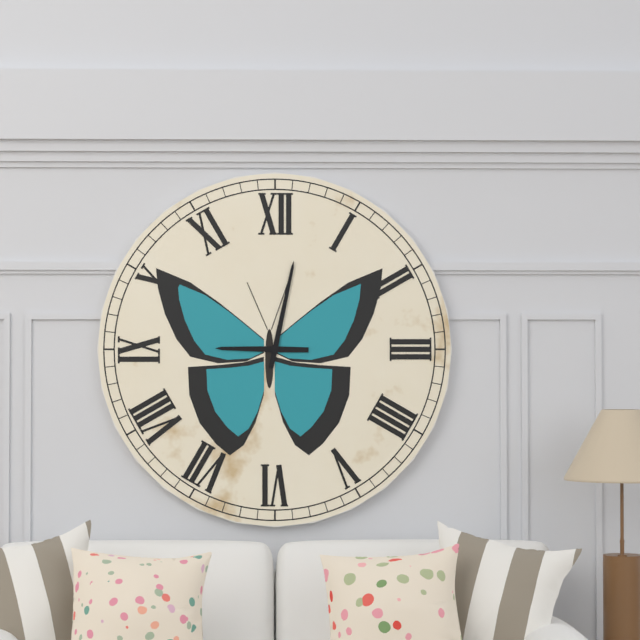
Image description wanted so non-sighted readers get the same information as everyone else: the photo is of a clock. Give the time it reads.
9:02
